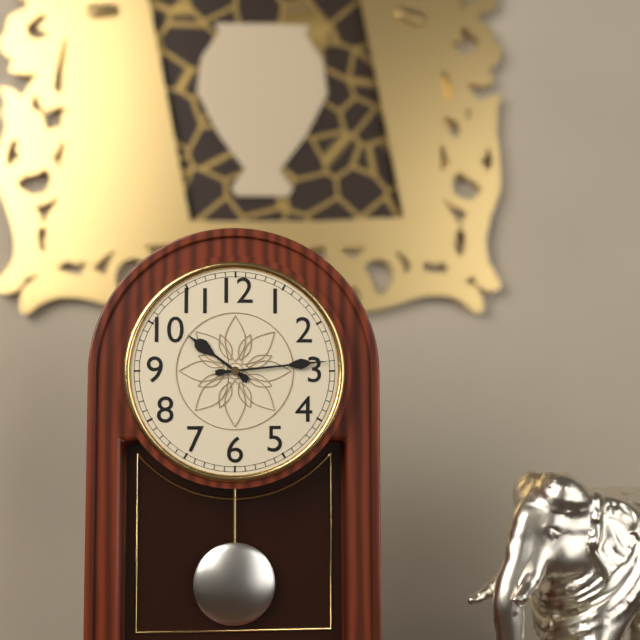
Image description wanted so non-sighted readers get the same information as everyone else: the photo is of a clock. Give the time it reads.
10:14
